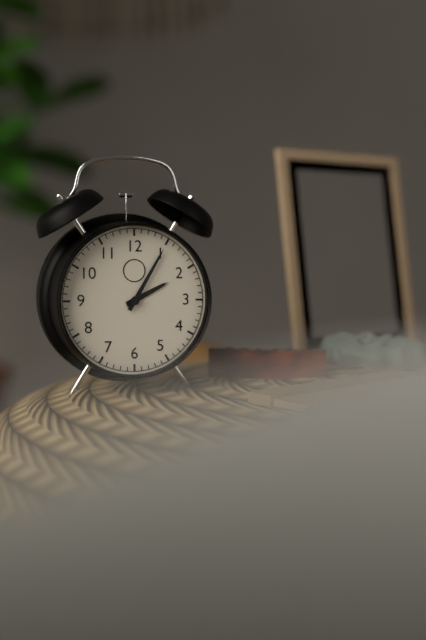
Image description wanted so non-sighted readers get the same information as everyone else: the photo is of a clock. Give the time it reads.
2:05
